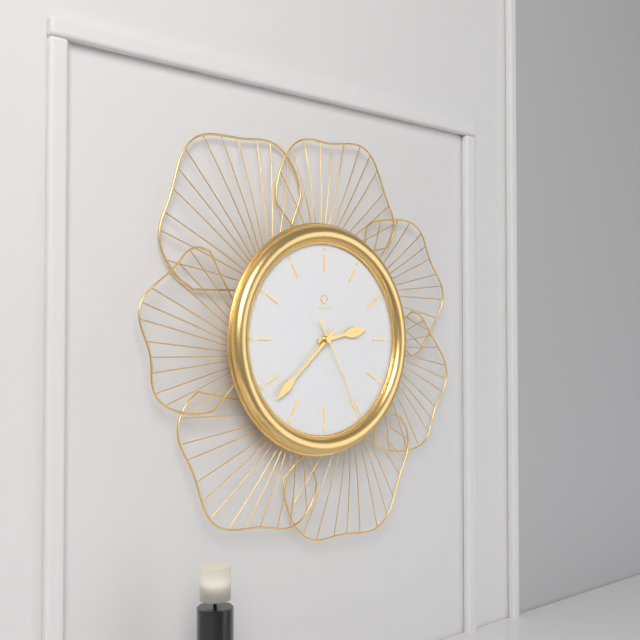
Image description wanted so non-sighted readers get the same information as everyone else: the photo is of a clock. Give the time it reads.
2:38:25
